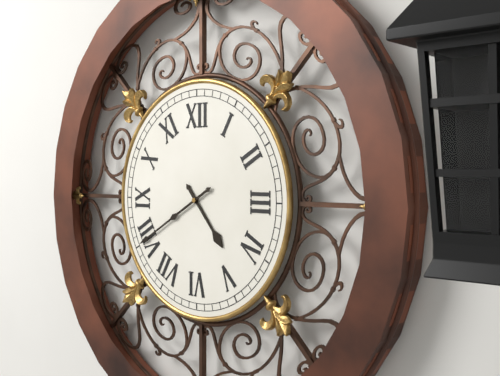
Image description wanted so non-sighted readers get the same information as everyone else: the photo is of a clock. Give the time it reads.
4:40
